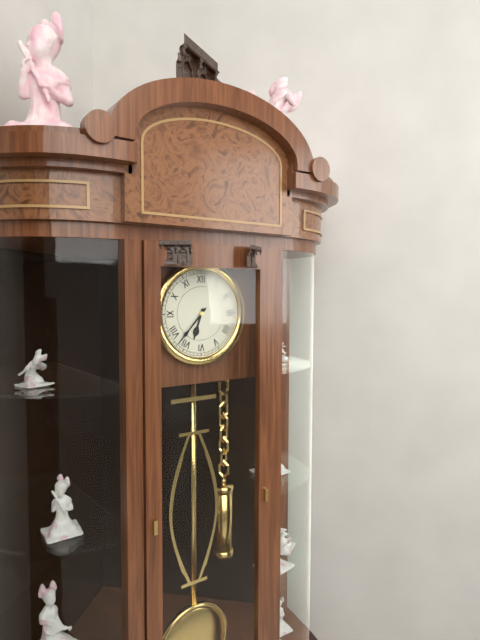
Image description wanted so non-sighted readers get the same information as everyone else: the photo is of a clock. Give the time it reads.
6:37
